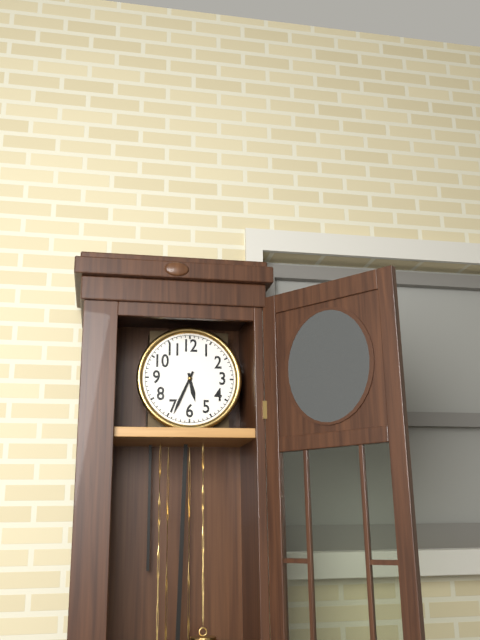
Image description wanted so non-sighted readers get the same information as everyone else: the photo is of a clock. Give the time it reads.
5:34
